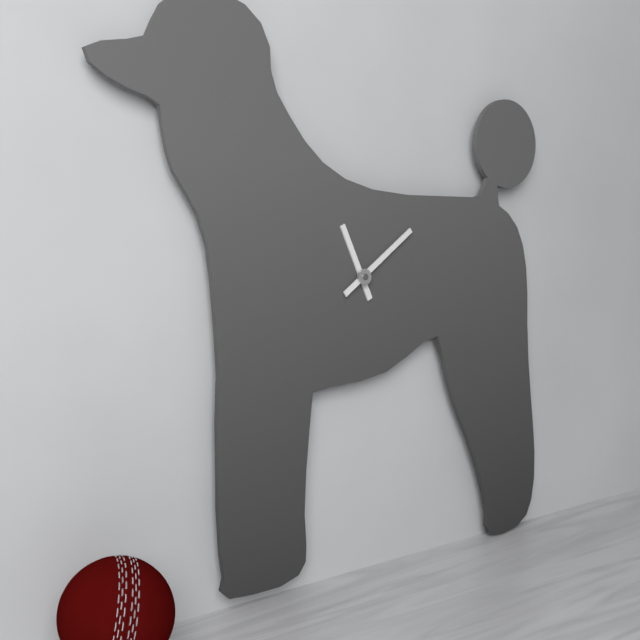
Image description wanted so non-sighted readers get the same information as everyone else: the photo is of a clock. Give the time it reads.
11:09
